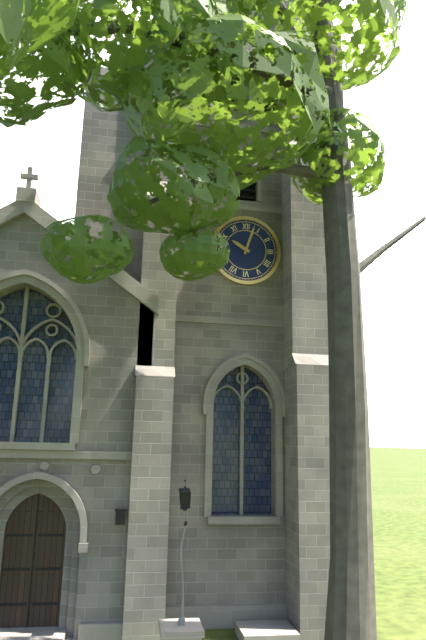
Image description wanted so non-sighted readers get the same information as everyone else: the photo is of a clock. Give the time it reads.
10:03
